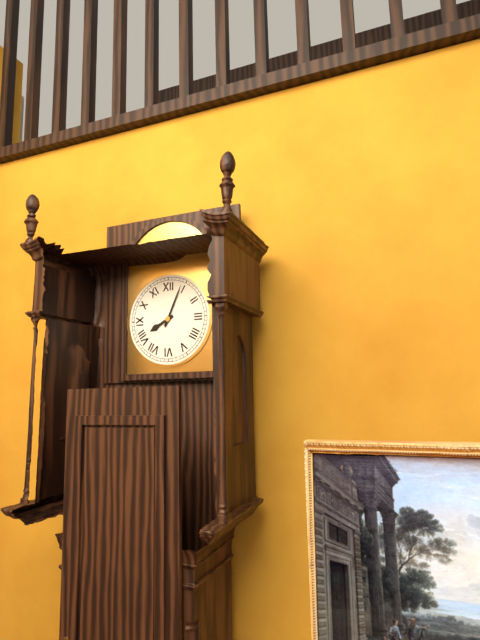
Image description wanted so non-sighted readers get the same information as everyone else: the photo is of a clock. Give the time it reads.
8:04
